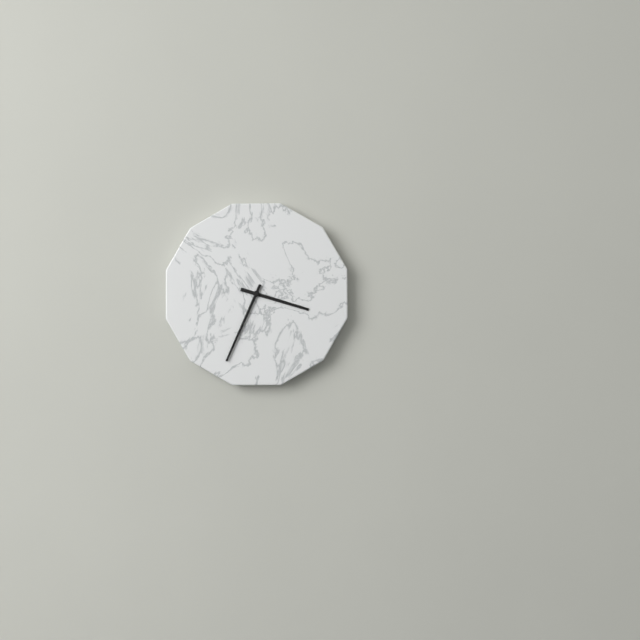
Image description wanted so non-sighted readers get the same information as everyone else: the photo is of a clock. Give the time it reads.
3:34
